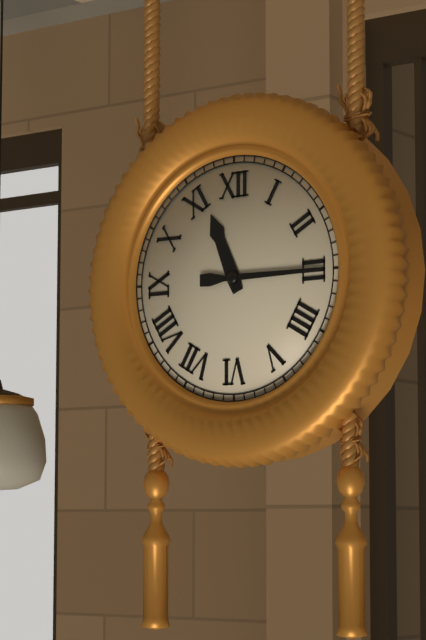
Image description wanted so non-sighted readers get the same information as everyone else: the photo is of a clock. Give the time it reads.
11:15
